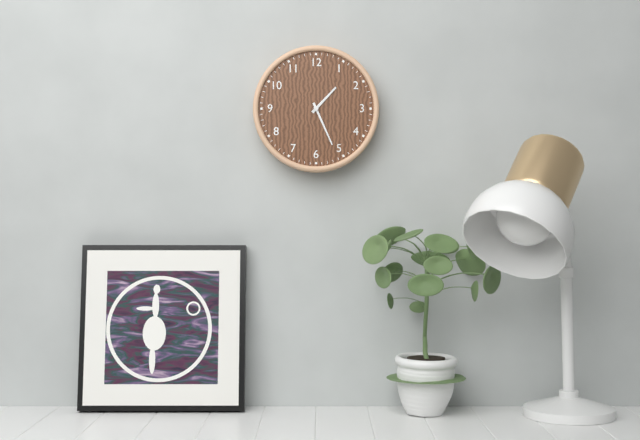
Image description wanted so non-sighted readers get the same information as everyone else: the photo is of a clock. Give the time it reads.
1:26
